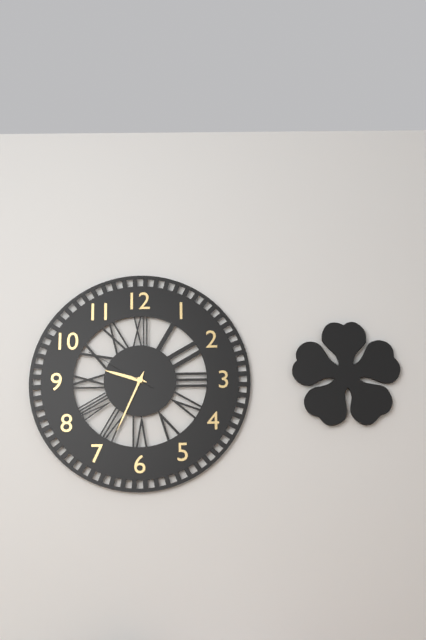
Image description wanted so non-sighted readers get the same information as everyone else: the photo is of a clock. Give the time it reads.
9:34:50
